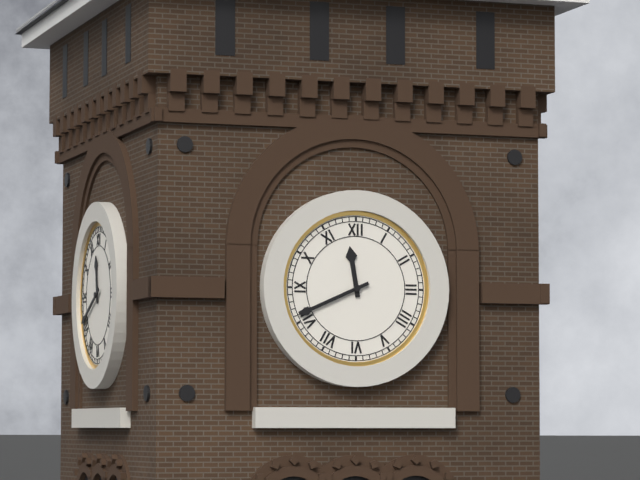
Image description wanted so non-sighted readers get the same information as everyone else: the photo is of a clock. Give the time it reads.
11:41
